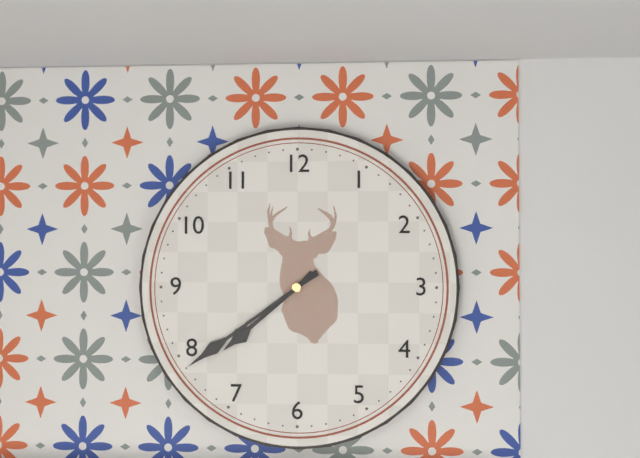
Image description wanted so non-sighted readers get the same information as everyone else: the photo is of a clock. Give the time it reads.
7:39
